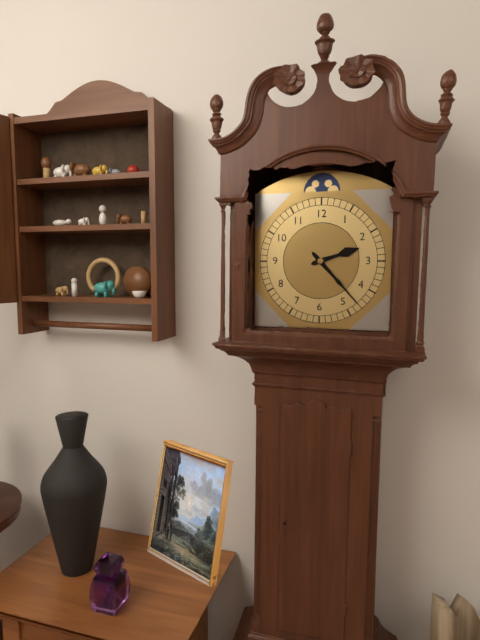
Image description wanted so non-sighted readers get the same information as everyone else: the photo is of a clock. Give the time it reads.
2:23
